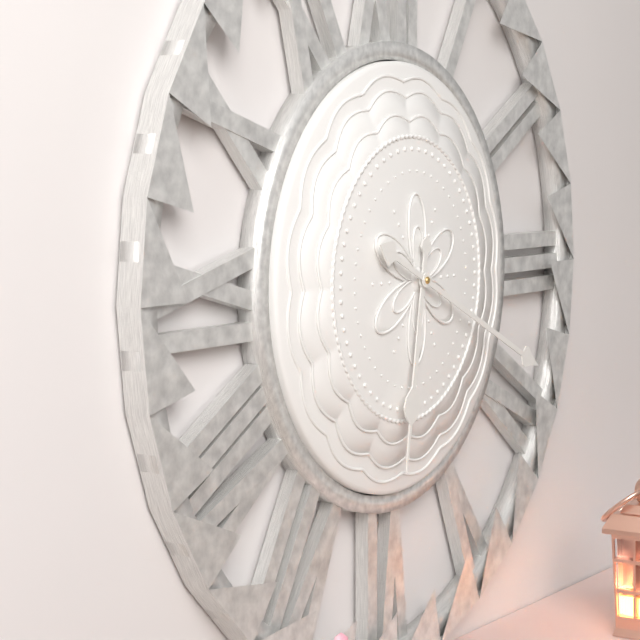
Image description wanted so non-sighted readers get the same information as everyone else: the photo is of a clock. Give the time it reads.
6:19
